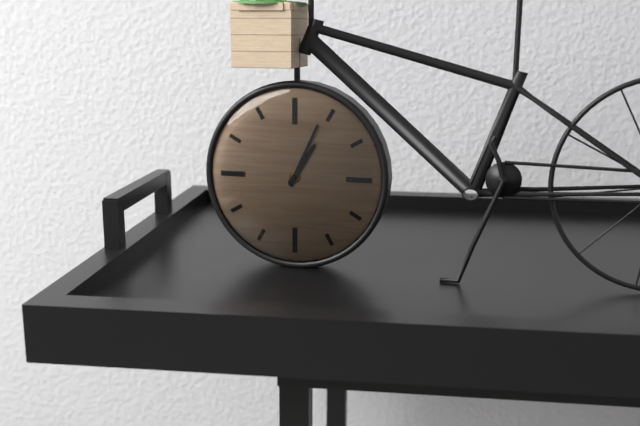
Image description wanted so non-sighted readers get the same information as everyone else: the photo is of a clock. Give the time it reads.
1:04
